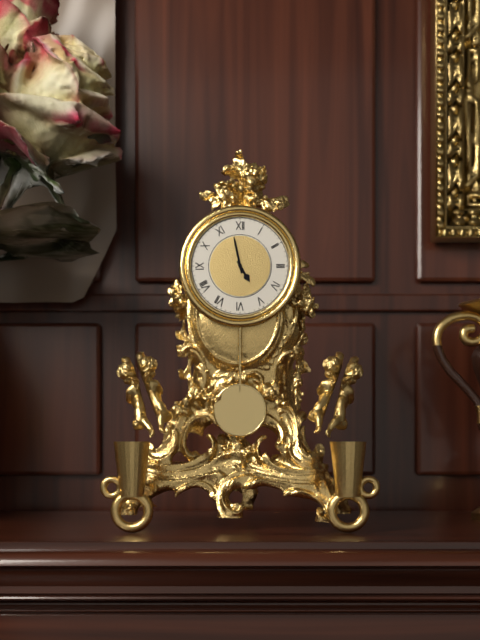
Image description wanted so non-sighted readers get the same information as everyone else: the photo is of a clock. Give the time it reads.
4:58
